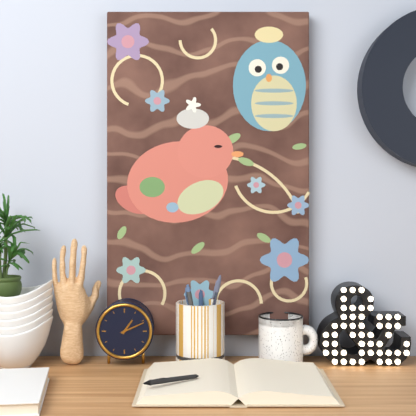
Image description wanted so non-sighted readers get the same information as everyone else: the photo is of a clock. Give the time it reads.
1:11
